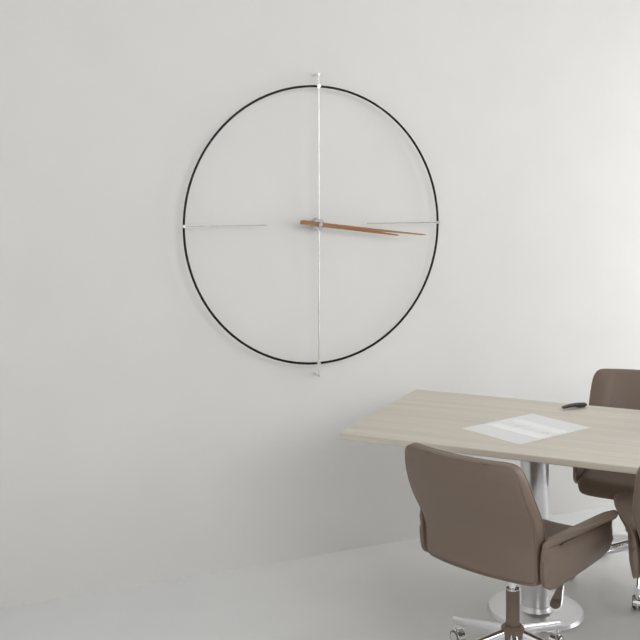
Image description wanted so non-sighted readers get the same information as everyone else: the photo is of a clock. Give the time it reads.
3:16
